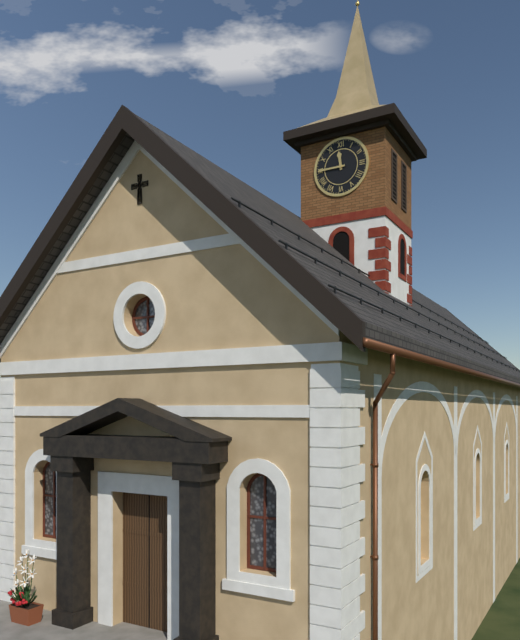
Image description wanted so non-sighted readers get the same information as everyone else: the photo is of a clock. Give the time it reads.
11:45
